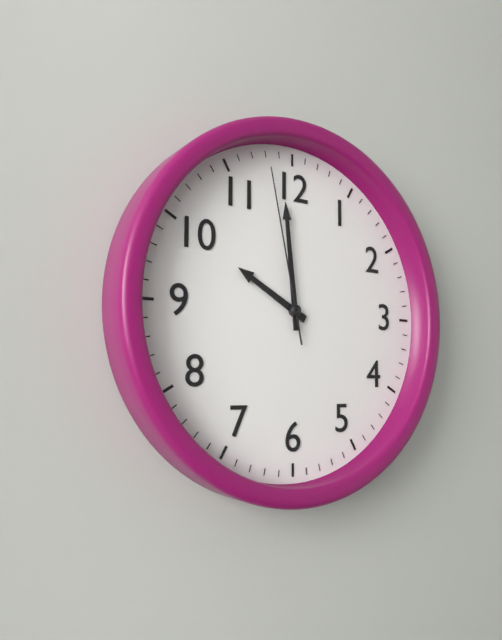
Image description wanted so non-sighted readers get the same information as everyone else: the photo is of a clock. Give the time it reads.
9:59:58
